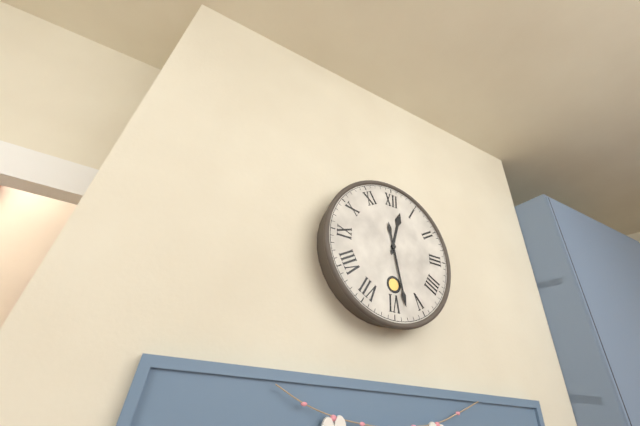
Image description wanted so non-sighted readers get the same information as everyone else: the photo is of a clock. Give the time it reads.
12:28
